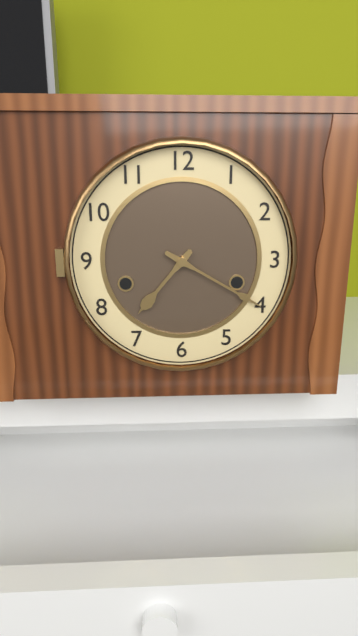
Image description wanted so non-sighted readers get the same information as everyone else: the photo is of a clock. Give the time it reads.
7:20
